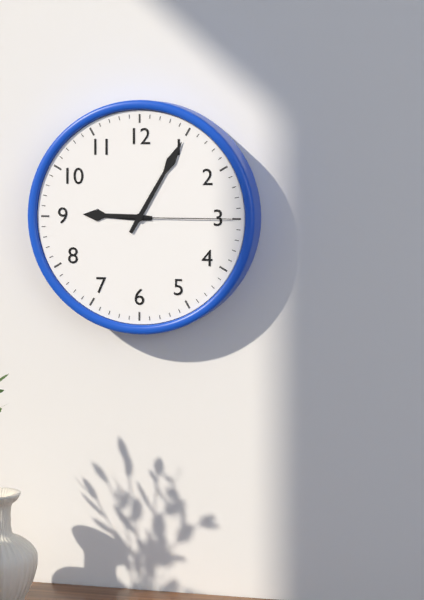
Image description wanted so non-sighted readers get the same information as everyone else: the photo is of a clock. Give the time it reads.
9:05:15
